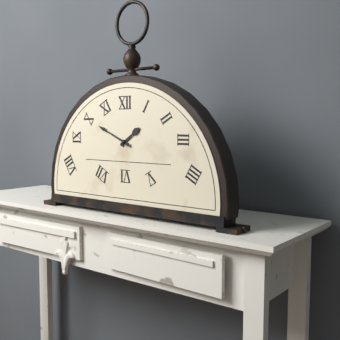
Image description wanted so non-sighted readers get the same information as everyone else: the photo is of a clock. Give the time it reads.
1:49
